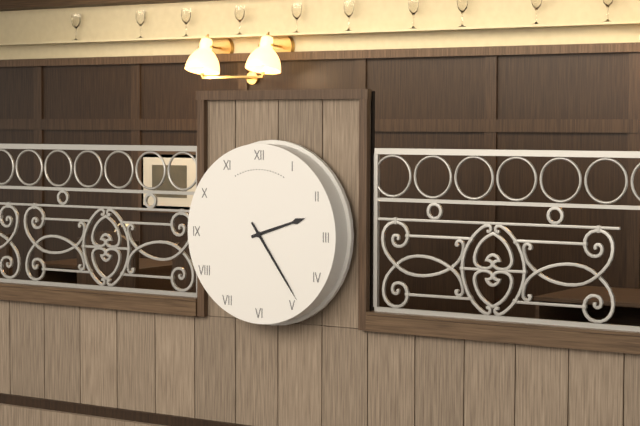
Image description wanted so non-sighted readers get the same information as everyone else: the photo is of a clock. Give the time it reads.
2:24
